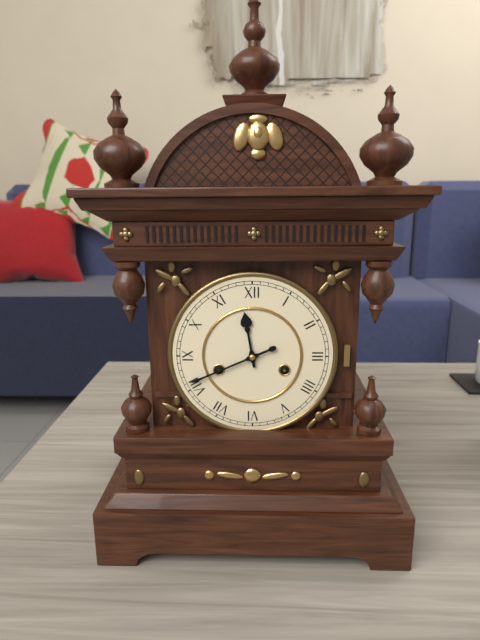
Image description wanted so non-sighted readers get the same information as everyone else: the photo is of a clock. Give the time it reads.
11:41
